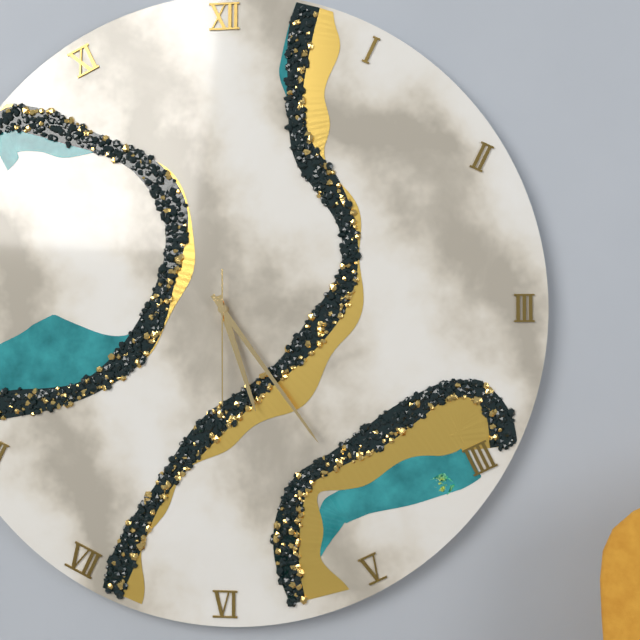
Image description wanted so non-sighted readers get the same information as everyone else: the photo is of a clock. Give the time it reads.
5:24:30
